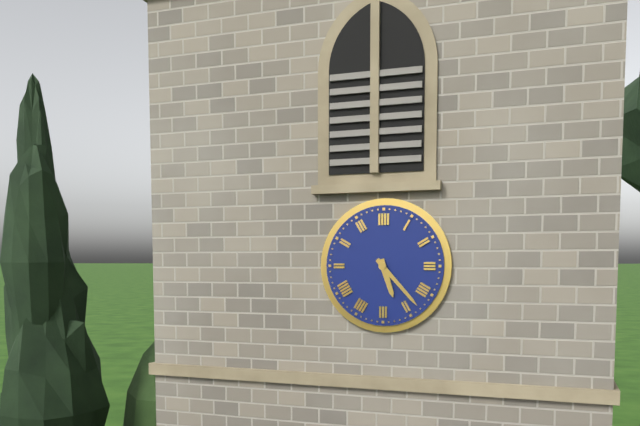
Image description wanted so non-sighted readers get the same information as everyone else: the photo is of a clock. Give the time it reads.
5:23
